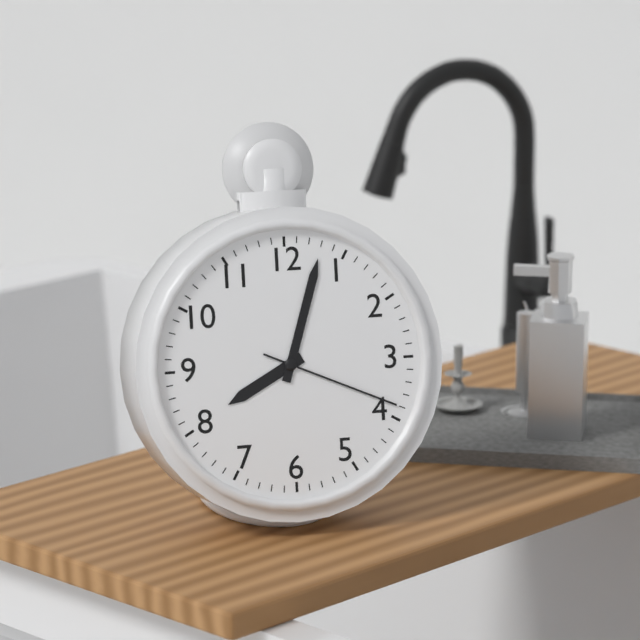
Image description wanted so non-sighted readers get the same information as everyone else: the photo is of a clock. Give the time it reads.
8:03:19
